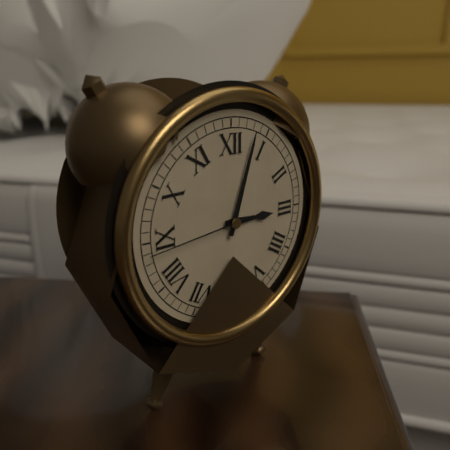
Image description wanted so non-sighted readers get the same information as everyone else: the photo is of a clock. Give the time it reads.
3:03:44
